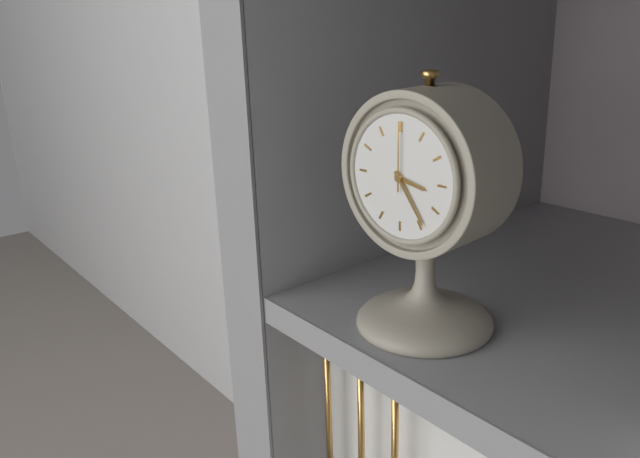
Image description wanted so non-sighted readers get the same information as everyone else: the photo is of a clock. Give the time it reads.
3:24:00
